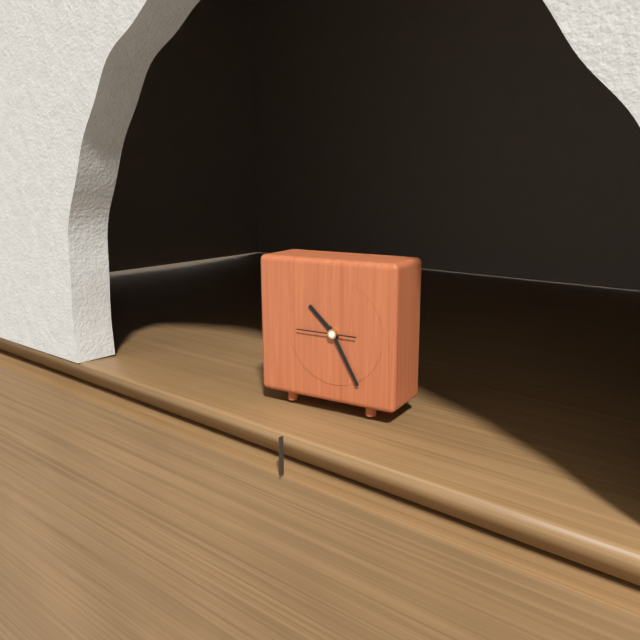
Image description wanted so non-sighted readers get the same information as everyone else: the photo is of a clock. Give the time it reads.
10:25
